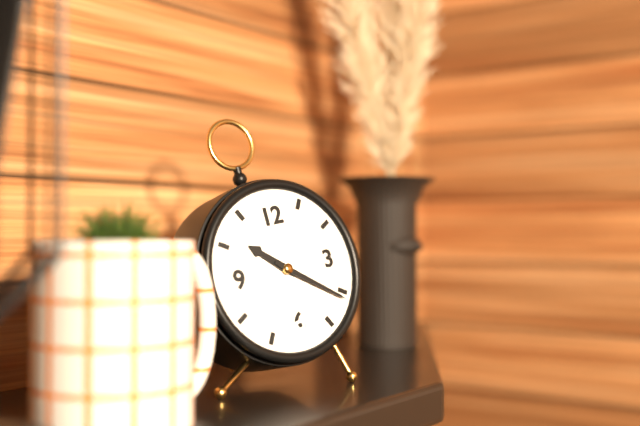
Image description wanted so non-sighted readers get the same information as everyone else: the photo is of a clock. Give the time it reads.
10:21
